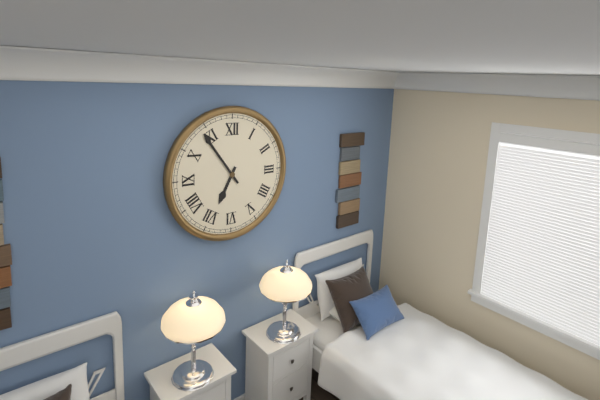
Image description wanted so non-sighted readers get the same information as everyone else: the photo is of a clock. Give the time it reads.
6:54
